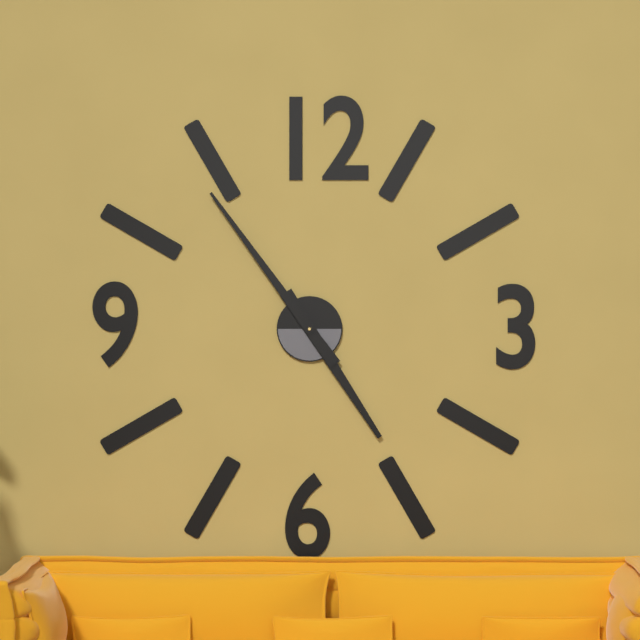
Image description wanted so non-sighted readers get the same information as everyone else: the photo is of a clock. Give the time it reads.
4:54
